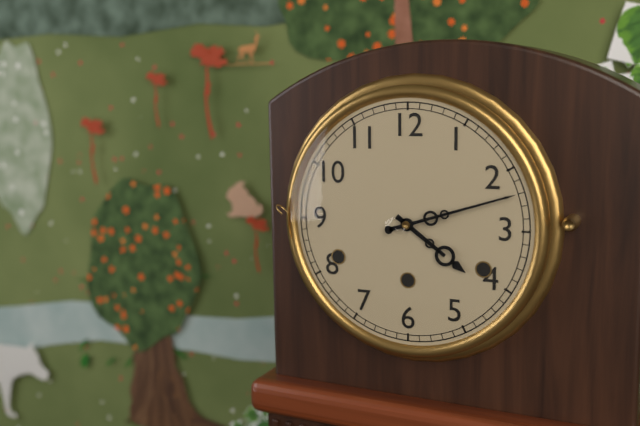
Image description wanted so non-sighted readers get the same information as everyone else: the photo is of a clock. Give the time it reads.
4:12
